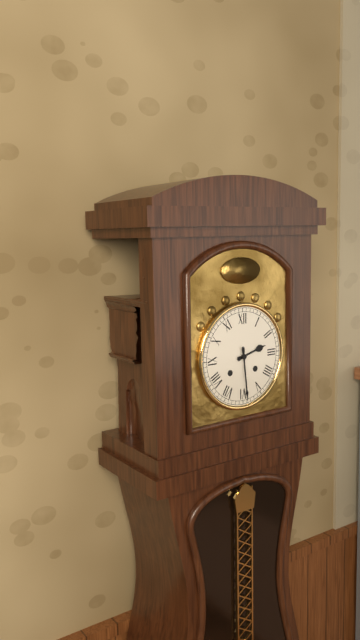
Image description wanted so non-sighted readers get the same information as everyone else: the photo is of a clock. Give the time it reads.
2:29
